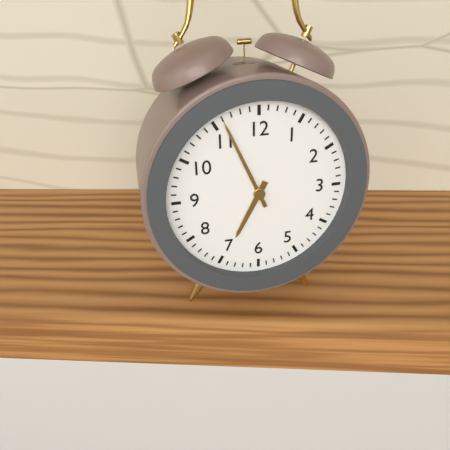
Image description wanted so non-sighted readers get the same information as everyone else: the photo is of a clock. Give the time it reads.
6:56
